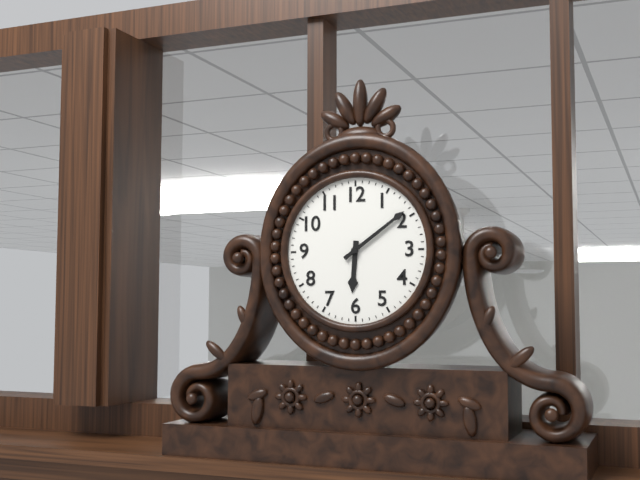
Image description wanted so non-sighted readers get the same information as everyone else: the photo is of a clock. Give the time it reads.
6:09
